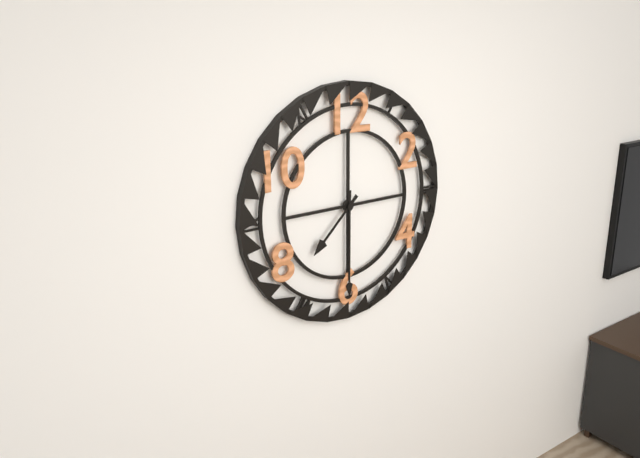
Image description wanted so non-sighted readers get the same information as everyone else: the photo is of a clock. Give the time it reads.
7:30
